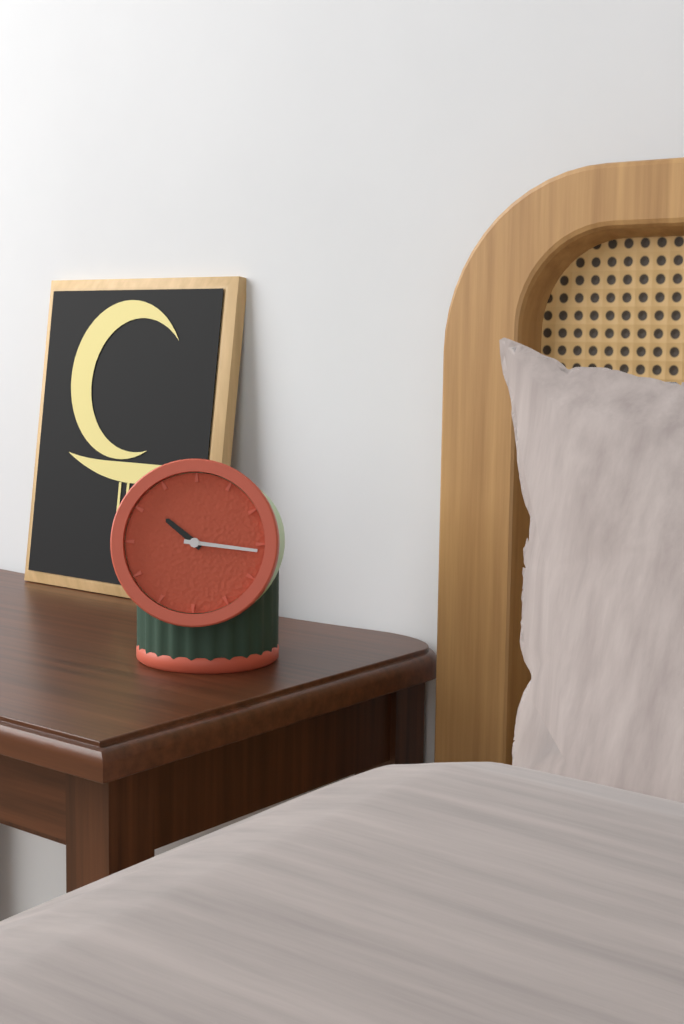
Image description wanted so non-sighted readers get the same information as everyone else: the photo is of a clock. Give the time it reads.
10:16
